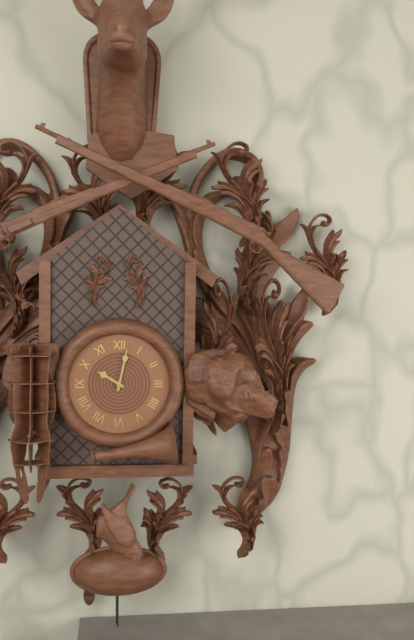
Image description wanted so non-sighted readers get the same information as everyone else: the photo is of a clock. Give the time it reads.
10:02
